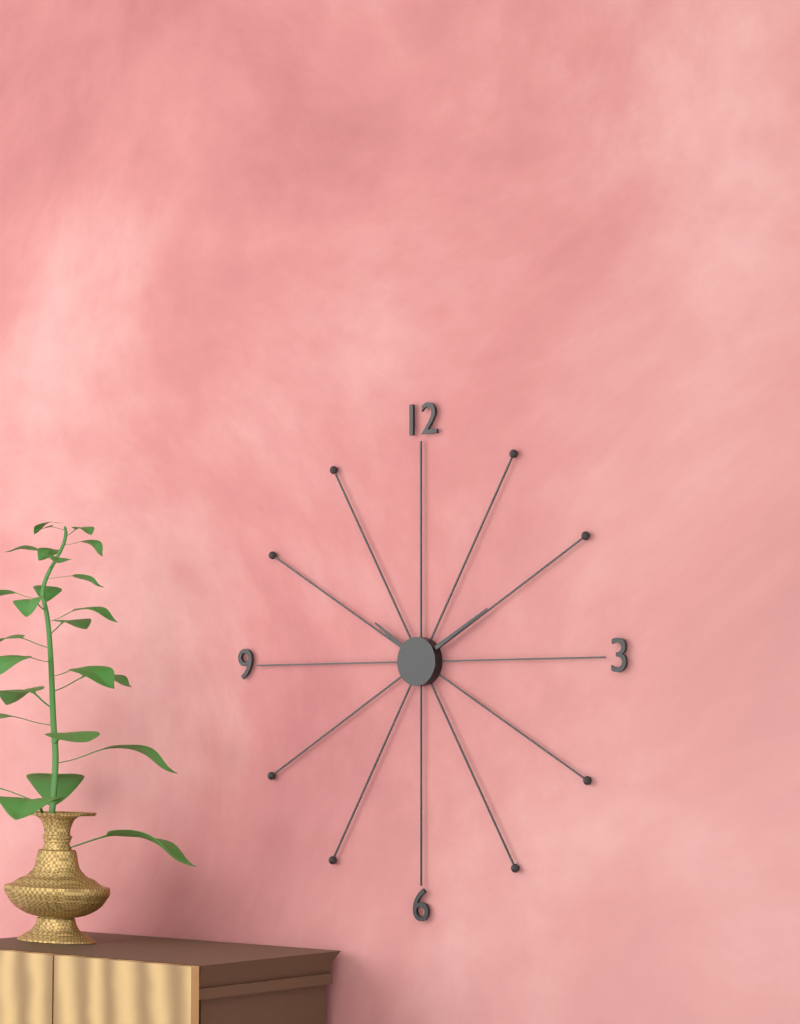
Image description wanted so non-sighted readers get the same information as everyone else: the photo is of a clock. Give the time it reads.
10:10
